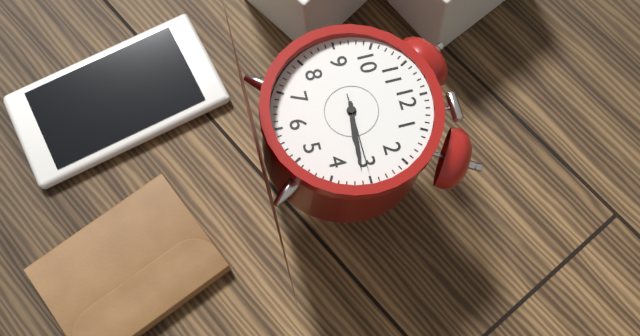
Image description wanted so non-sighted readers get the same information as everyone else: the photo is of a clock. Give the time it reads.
3:16:15
